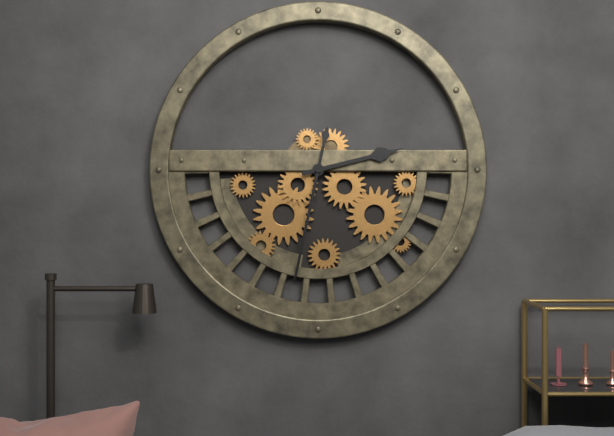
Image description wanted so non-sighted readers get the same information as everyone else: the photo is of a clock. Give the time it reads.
2:32
